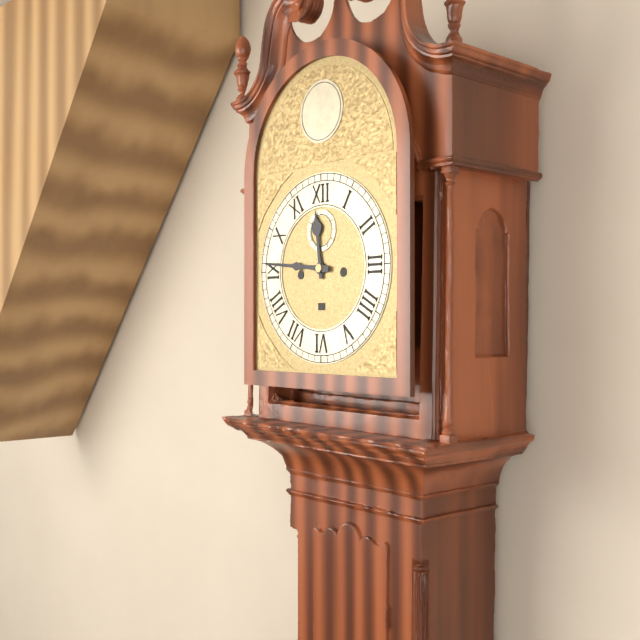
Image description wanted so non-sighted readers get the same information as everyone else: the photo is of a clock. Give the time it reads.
11:46
